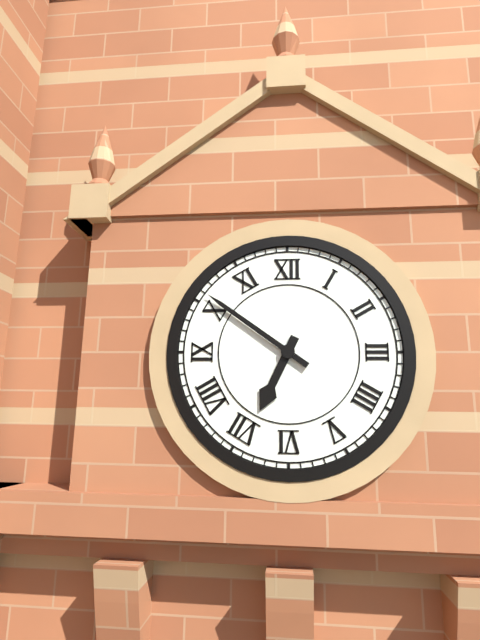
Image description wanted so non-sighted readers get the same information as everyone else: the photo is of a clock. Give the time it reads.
6:51
